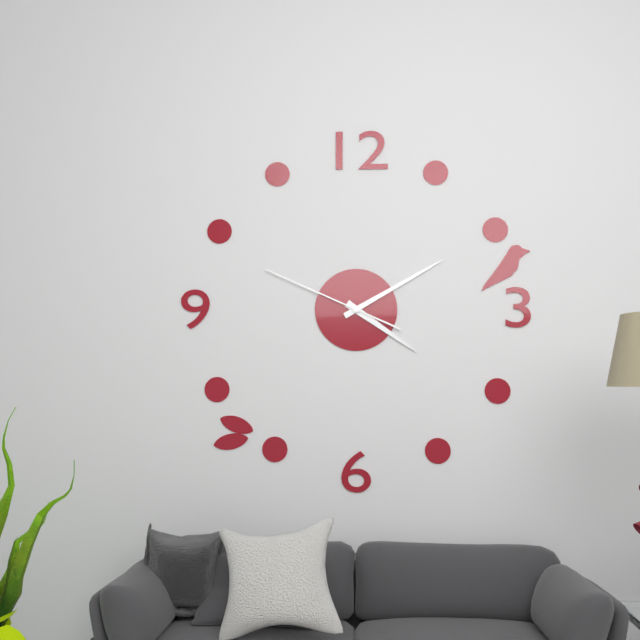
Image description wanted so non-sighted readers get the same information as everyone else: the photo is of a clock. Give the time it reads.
4:10:49
